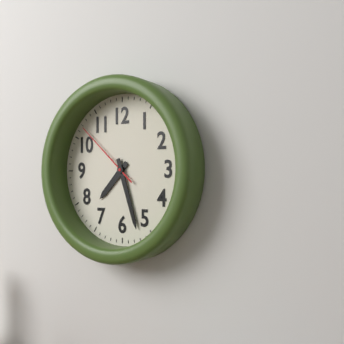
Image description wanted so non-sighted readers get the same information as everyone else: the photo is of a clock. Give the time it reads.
7:27:52
